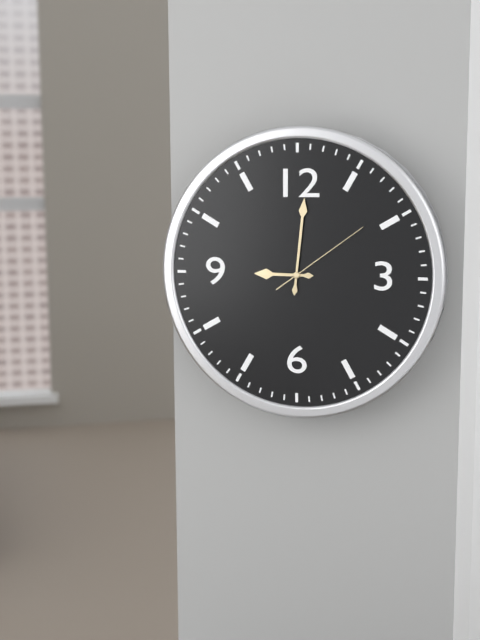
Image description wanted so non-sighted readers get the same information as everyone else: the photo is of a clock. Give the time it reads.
9:01:09
